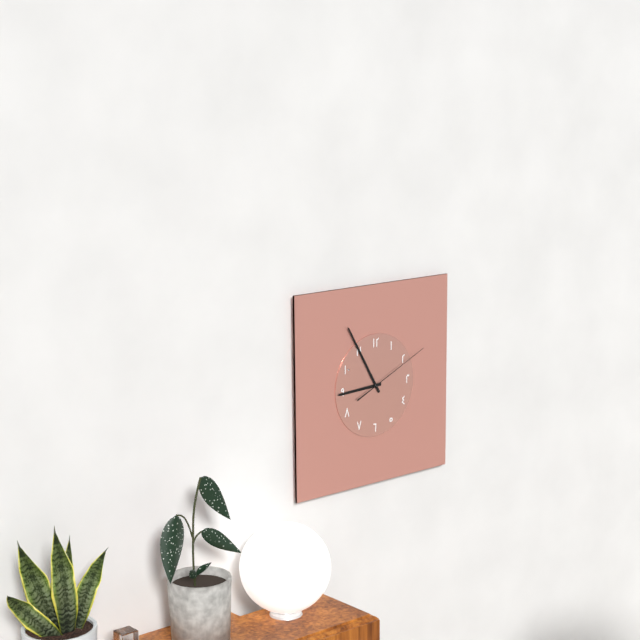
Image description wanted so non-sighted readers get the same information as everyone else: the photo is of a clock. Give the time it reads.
8:55:11
